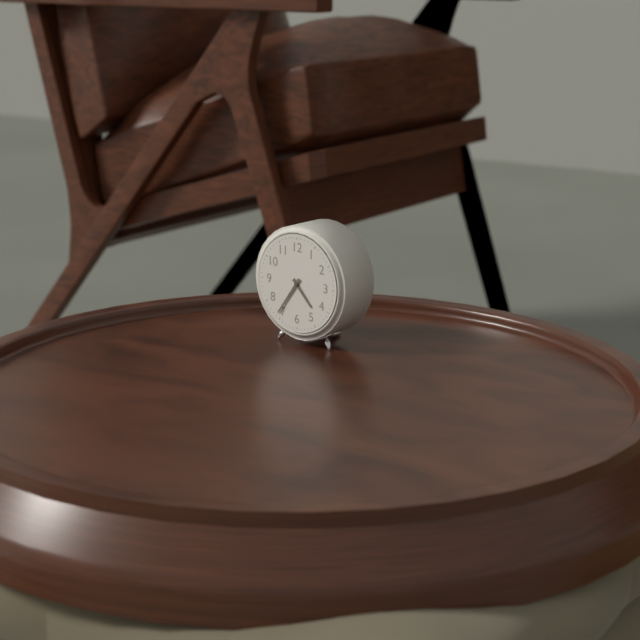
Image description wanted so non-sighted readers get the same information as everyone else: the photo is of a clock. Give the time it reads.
4:36
